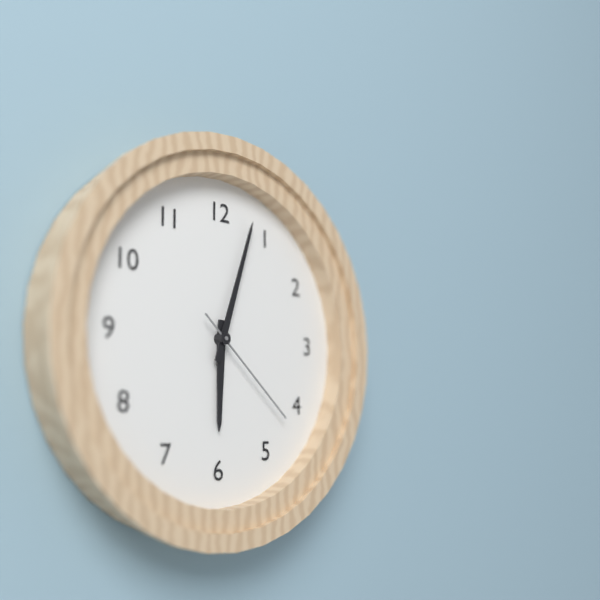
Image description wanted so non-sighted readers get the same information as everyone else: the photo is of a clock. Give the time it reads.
6:03:22
